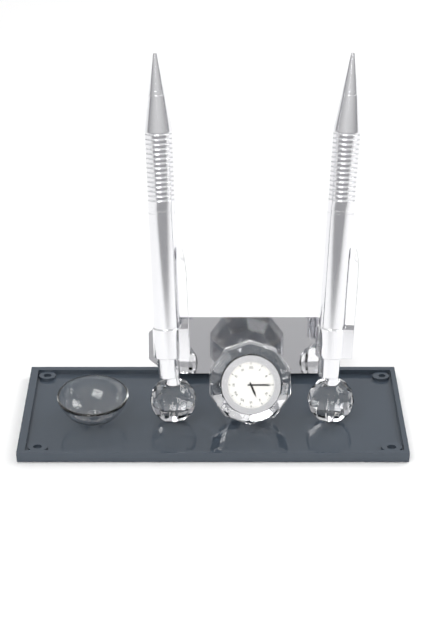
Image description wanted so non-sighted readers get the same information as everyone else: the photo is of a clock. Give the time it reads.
5:15
